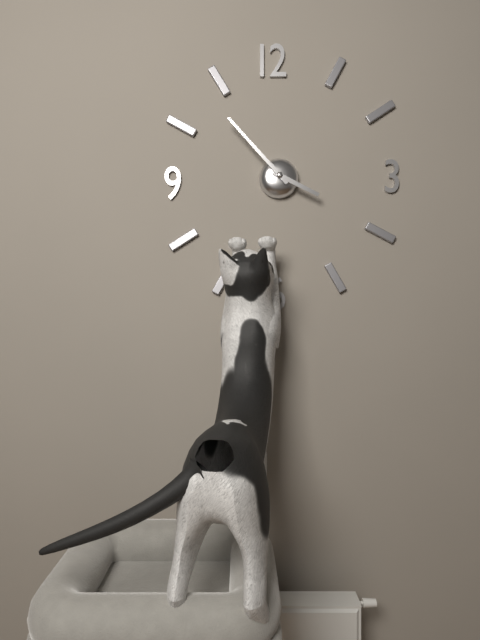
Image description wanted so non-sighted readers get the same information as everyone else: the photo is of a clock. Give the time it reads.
3:53
